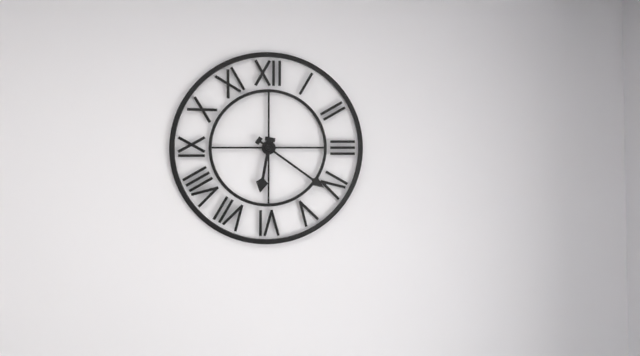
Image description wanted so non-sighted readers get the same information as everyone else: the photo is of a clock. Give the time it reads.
6:21
